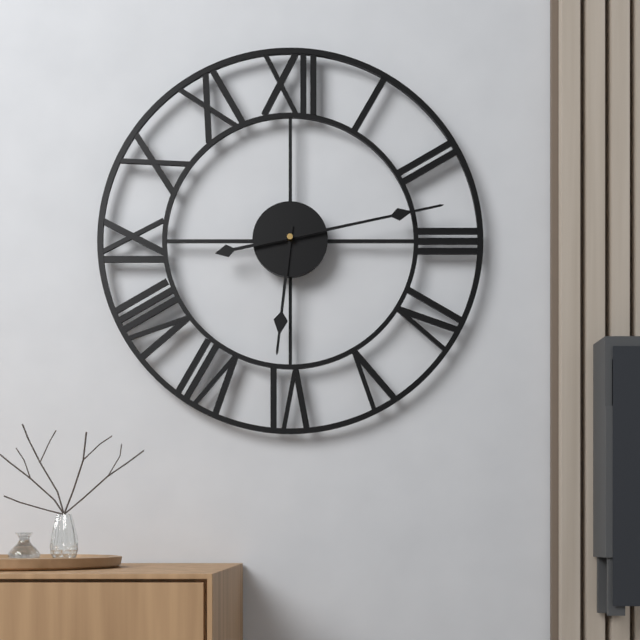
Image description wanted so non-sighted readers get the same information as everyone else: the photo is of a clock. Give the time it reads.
6:13
